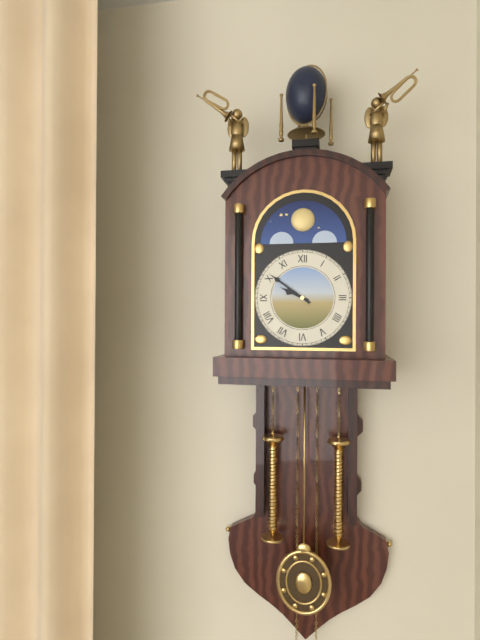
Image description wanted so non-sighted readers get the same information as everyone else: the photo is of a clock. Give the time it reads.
9:51
